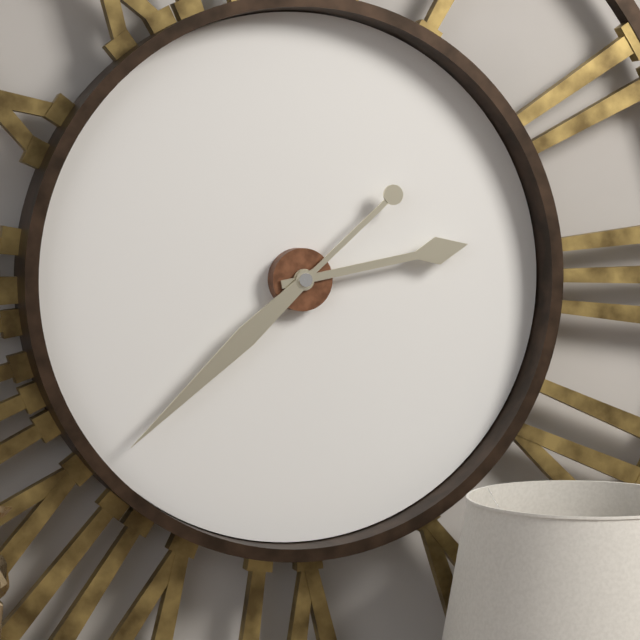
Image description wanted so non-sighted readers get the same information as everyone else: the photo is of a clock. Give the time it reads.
2:38
